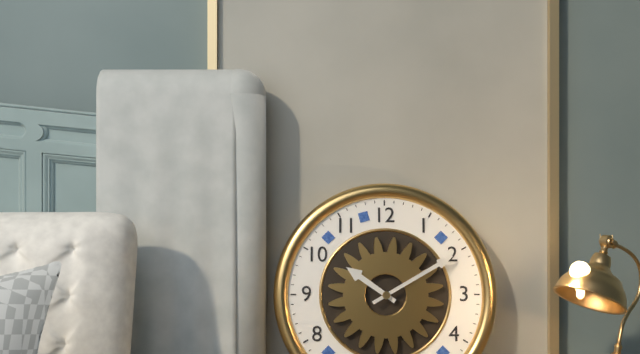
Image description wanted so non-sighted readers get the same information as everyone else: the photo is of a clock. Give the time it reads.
10:10
